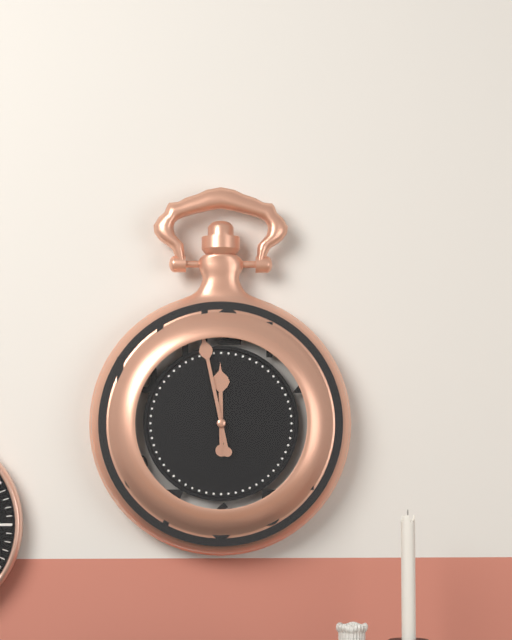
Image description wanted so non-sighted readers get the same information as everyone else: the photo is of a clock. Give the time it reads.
11:58
